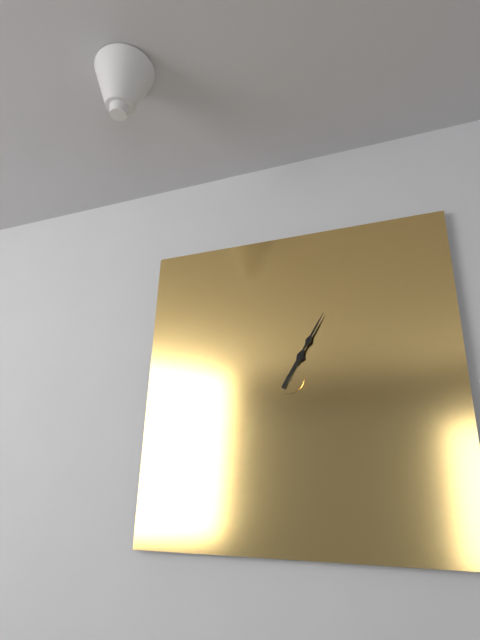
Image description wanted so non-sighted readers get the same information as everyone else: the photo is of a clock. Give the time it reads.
1:05
